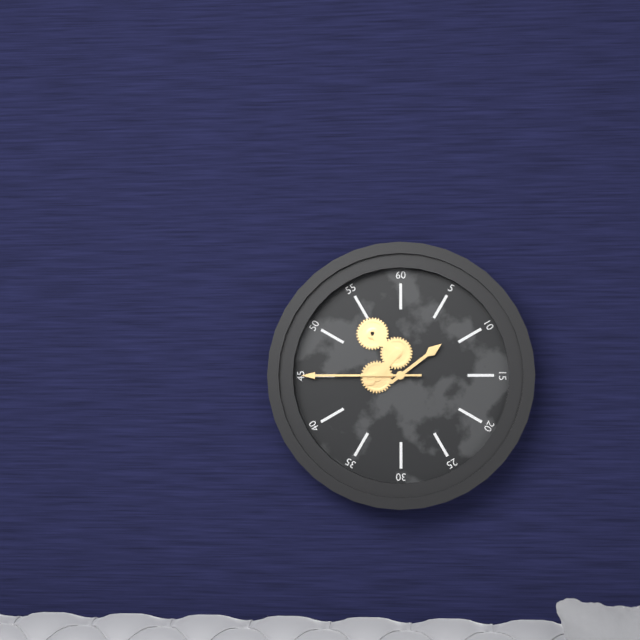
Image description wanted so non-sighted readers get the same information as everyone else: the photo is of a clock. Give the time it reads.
1:45
